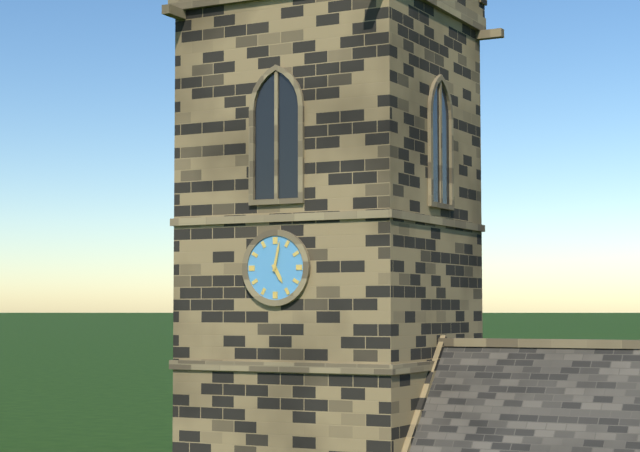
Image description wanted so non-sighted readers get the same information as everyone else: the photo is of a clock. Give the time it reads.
5:02
